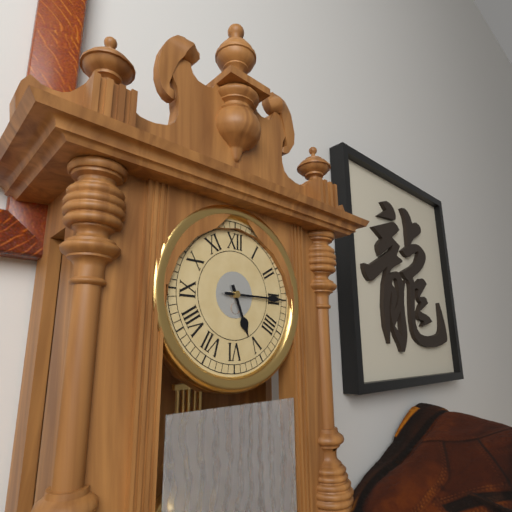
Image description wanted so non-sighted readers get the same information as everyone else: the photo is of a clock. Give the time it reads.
5:15
